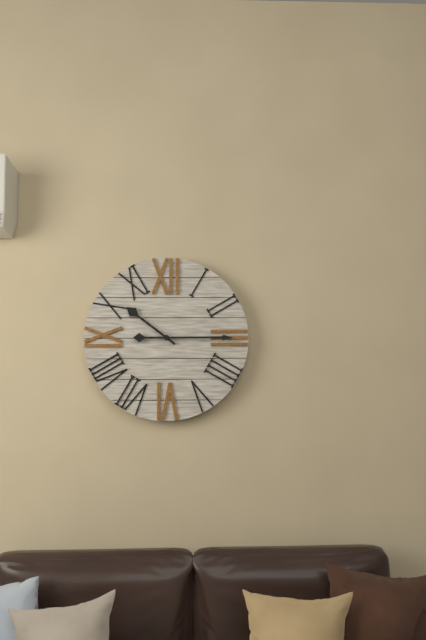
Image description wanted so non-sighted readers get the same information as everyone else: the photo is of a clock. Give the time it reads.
10:15
